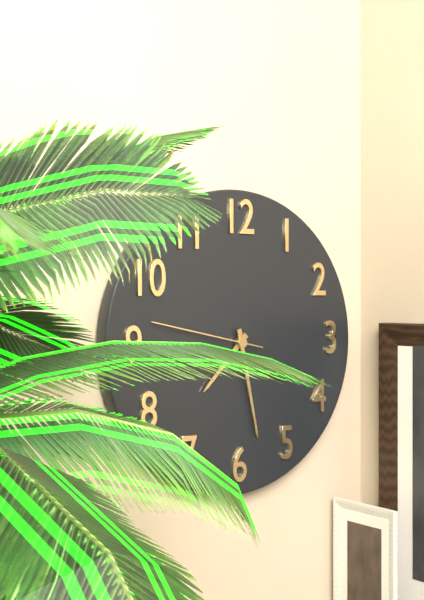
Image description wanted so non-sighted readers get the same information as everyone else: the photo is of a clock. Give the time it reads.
7:28:47
